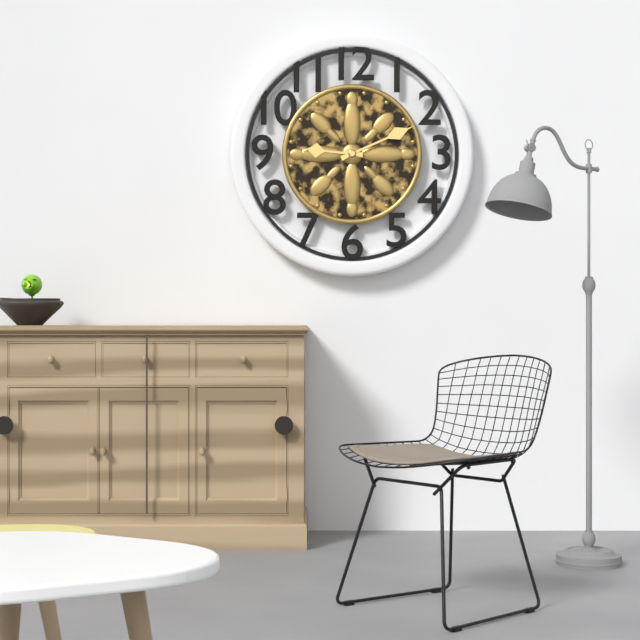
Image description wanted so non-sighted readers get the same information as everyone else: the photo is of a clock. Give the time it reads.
9:11
